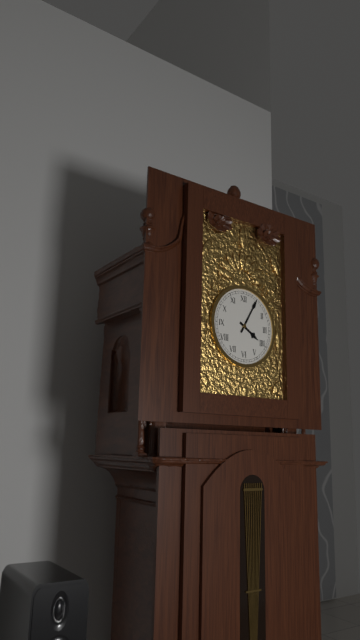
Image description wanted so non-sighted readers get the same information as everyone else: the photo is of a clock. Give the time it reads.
4:05
